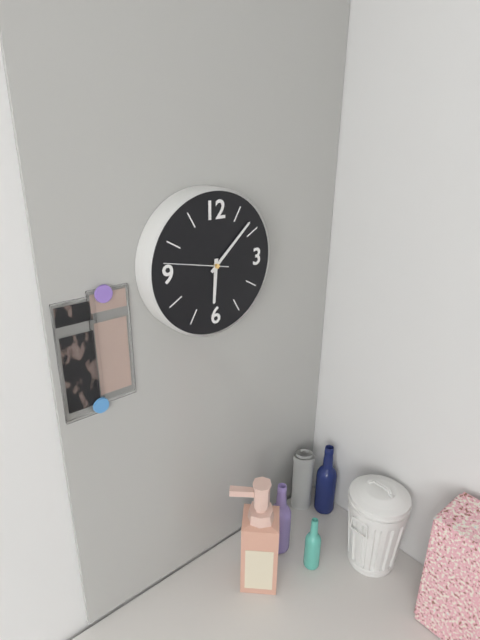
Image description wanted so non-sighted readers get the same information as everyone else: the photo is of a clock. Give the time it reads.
6:08:47
